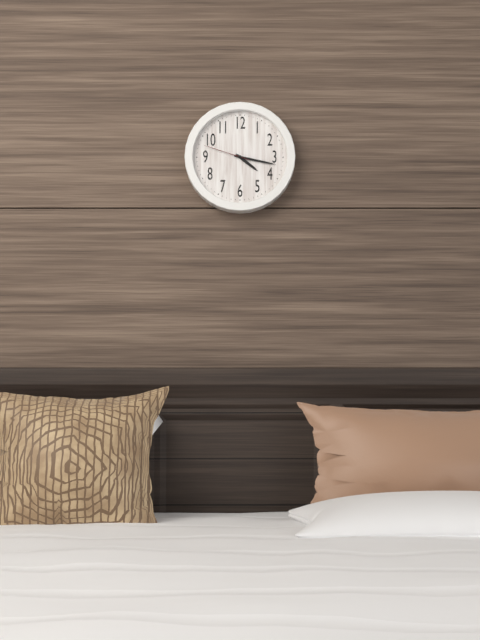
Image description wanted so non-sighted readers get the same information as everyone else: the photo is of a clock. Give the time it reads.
4:17
